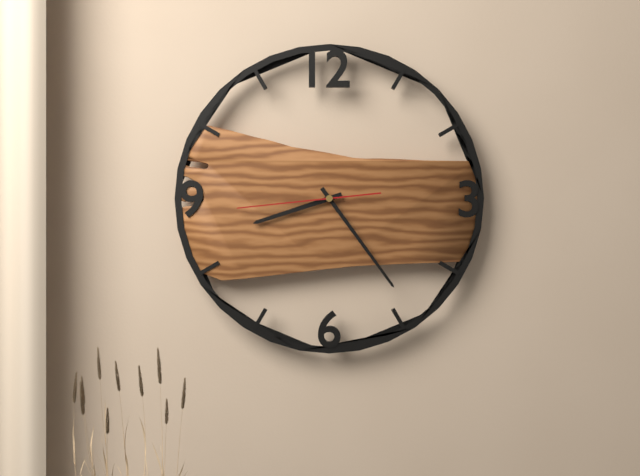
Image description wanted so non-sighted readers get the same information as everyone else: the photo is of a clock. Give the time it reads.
8:24:44
